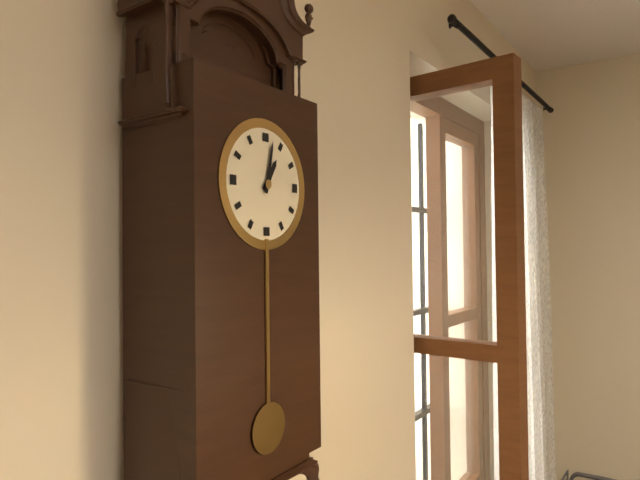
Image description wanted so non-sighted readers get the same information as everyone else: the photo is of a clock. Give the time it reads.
1:02
